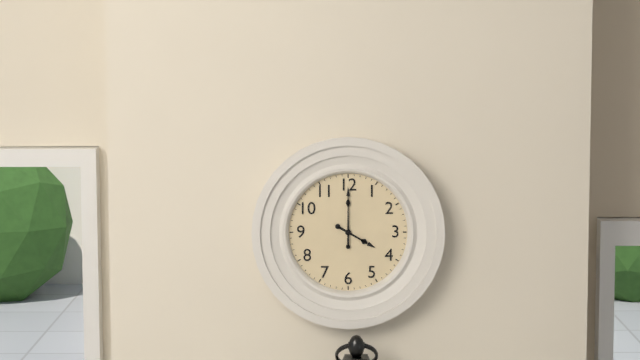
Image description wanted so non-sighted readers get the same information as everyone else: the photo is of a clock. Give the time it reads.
4:00
